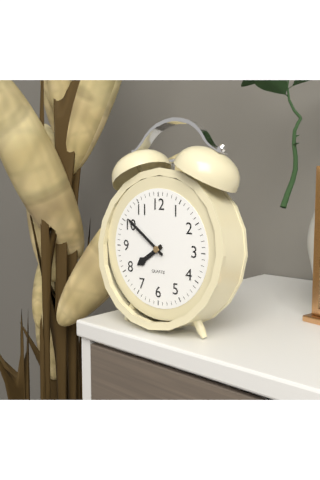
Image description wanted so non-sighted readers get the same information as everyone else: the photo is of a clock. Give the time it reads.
7:51
